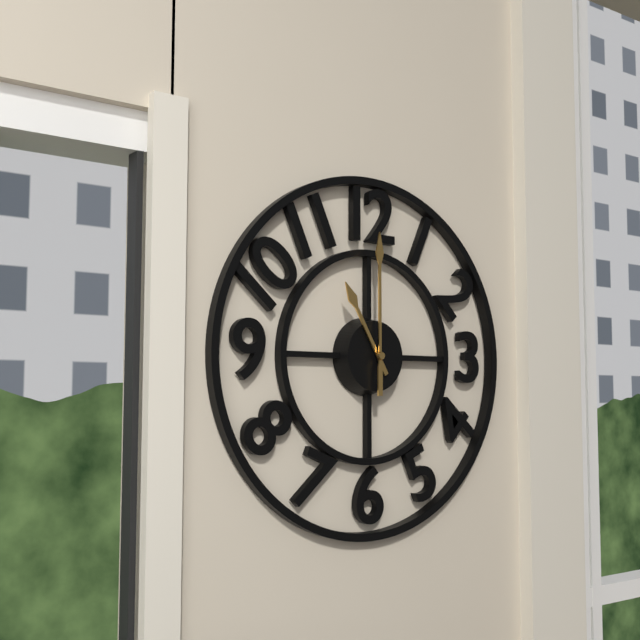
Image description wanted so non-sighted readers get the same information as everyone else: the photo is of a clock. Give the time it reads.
11:00
